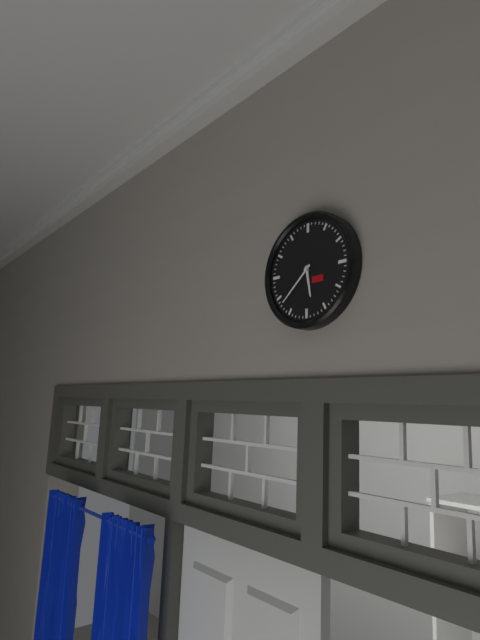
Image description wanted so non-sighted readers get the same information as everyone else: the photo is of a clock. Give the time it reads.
5:38
